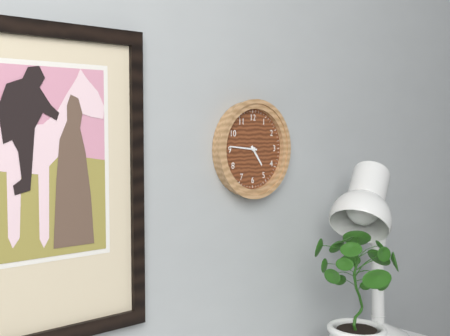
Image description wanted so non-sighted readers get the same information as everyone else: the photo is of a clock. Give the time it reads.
4:46
